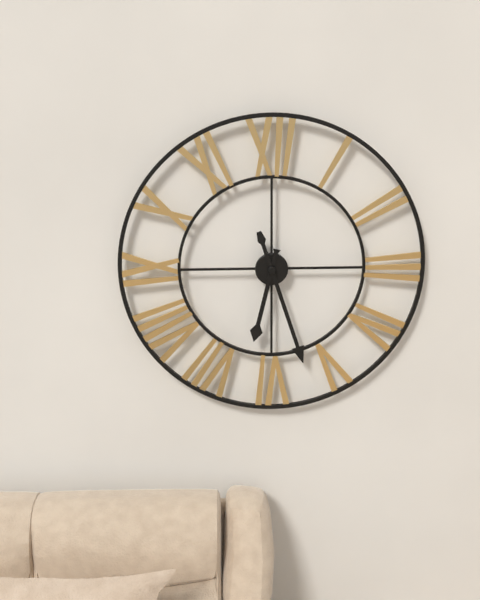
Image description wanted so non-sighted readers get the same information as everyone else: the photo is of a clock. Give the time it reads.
6:27
